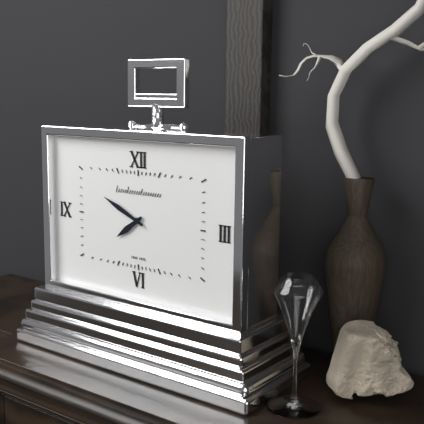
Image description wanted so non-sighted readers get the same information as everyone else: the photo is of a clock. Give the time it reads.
7:49
